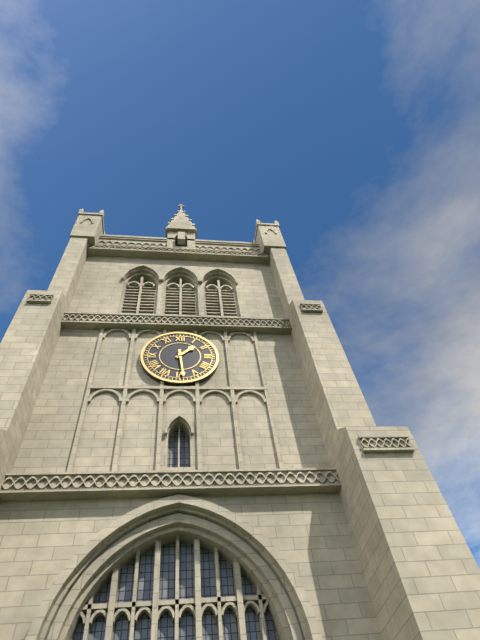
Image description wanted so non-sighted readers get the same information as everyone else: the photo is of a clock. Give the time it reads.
1:29
